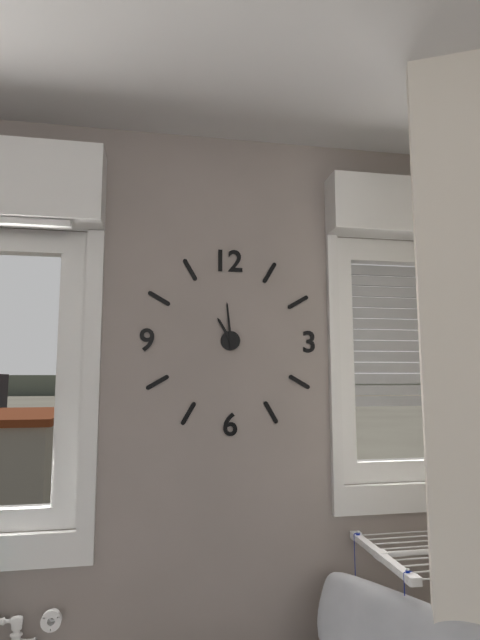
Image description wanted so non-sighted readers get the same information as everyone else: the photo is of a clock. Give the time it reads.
10:59
